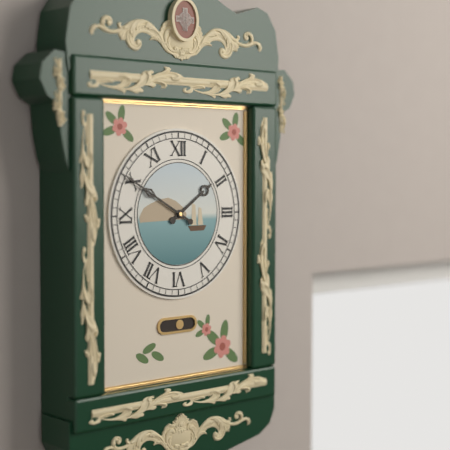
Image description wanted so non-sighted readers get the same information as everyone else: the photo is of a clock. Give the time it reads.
1:50
